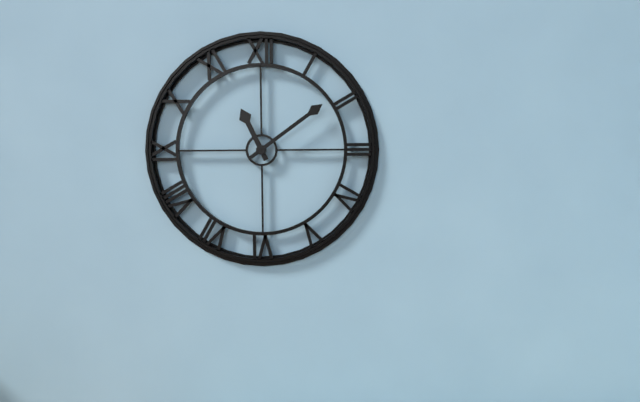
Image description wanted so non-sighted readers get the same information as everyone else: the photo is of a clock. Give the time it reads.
11:09
